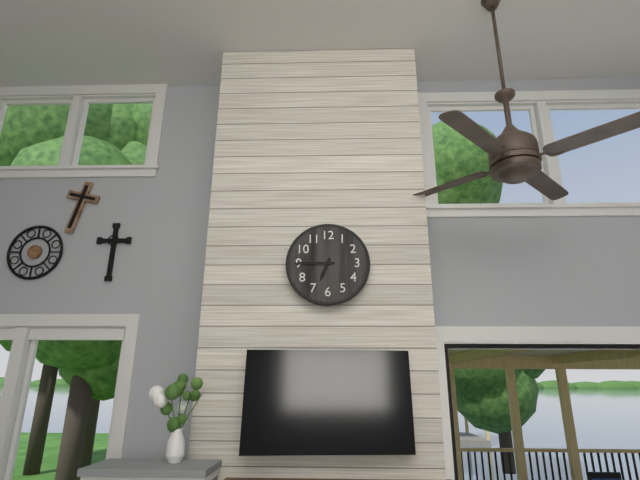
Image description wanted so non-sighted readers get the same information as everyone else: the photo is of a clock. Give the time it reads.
6:45
